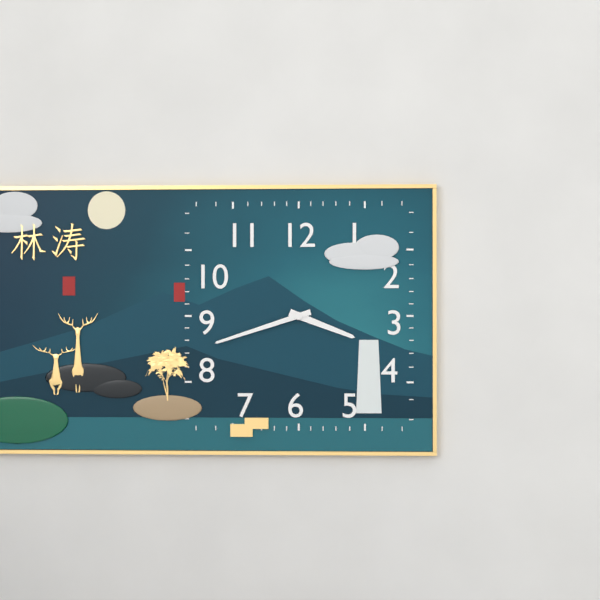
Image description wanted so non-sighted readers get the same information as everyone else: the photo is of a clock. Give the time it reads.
3:42
